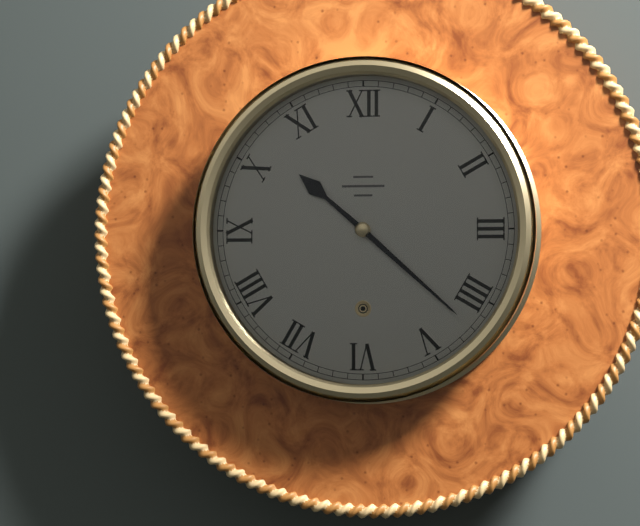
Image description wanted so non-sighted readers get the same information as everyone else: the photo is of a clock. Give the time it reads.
10:22
